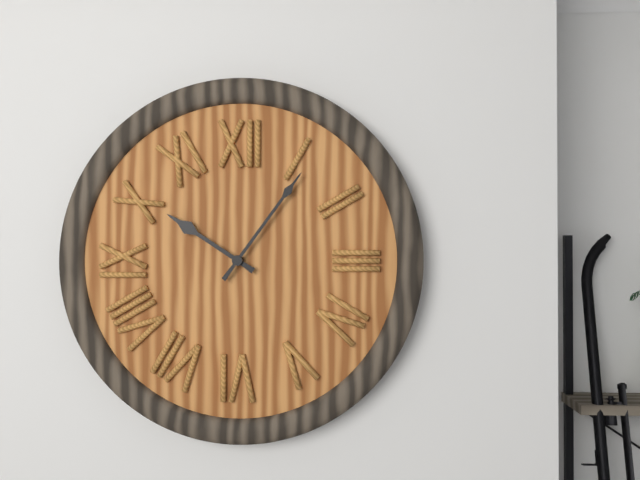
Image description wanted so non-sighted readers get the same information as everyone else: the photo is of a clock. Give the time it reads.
10:06
